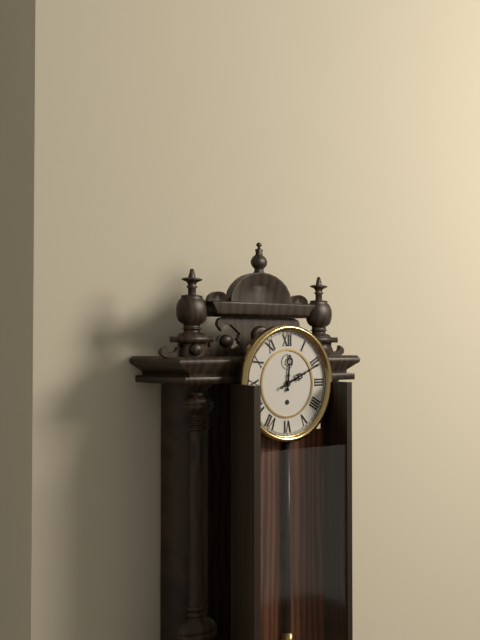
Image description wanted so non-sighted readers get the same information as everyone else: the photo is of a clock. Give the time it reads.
12:11
